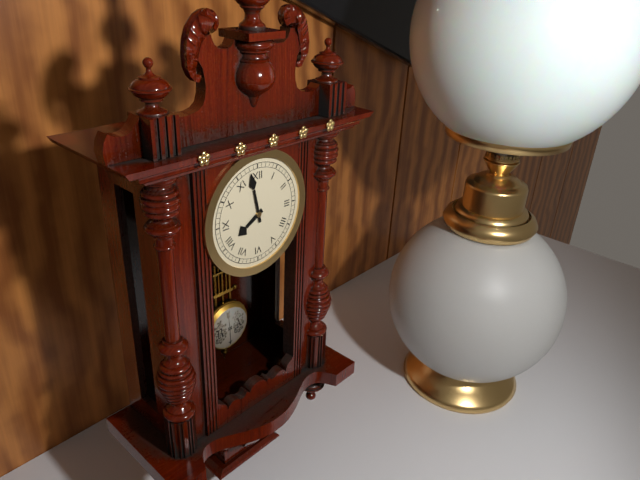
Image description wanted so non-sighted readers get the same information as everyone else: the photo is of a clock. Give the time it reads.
7:58
